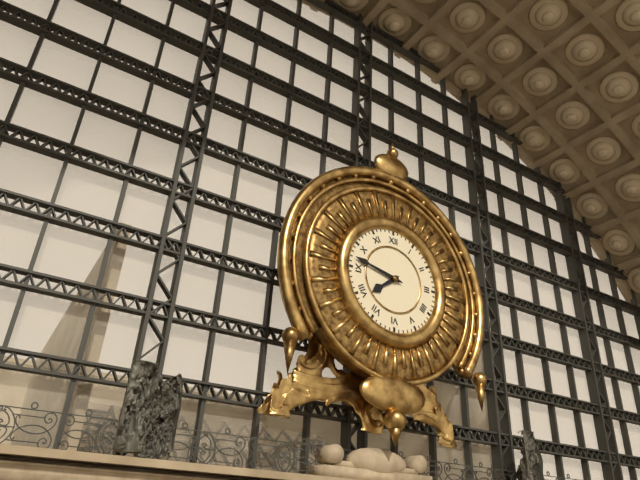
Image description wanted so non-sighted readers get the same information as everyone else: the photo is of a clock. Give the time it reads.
7:47
